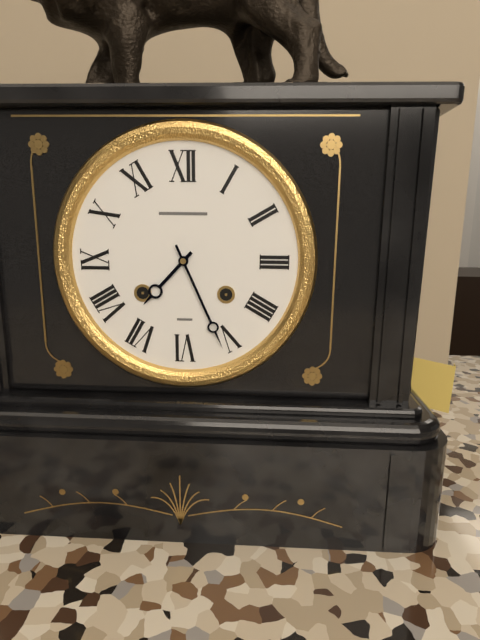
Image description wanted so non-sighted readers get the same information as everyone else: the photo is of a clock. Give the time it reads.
7:26
